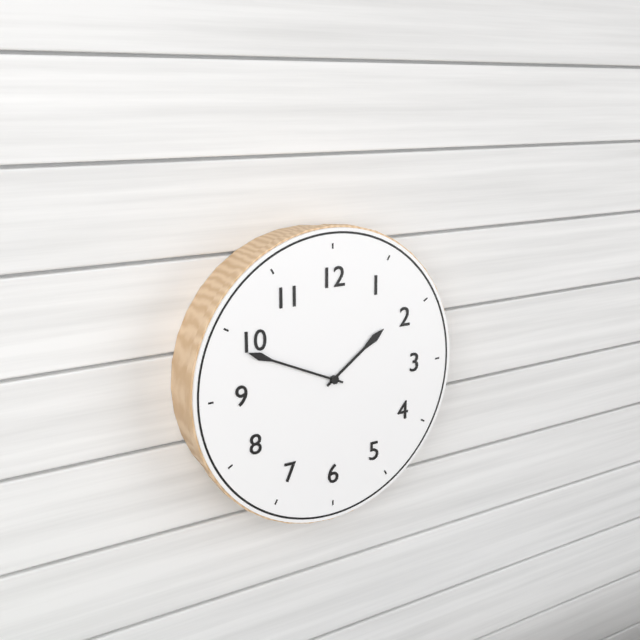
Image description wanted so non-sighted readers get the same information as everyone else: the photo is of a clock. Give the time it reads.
1:49
